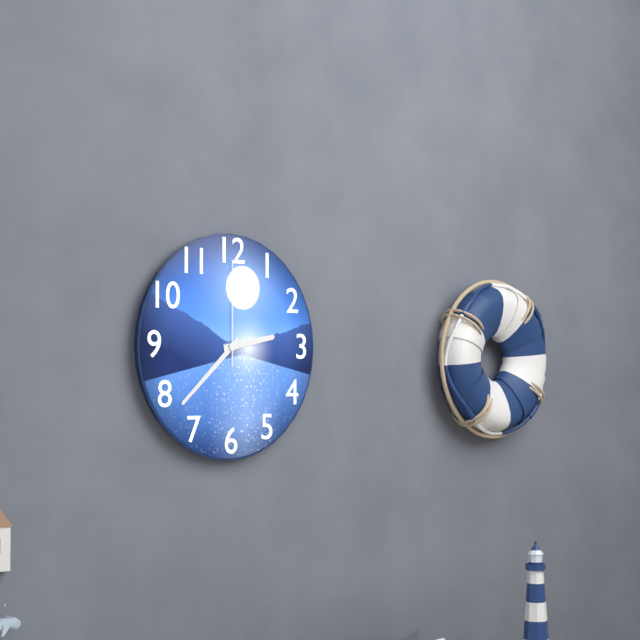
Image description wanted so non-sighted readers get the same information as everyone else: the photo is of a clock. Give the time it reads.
2:38:00
